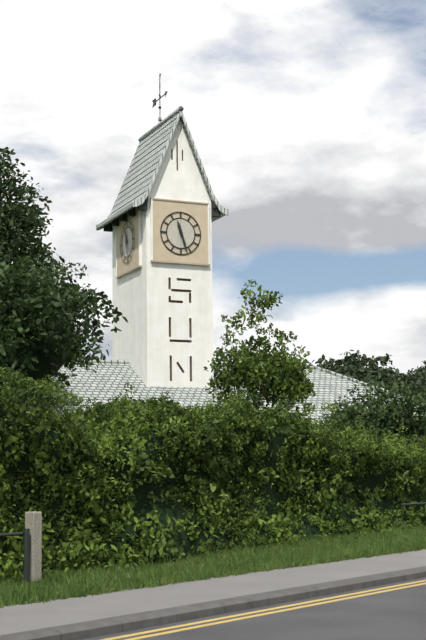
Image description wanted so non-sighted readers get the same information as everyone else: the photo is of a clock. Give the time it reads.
11:27
